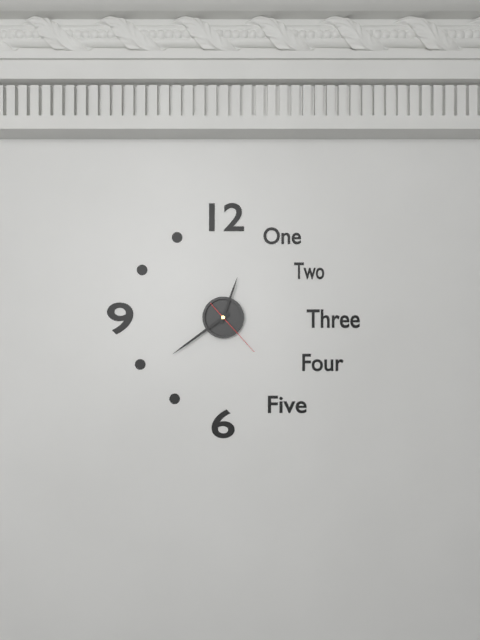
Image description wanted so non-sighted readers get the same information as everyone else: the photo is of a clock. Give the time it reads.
12:39:23
